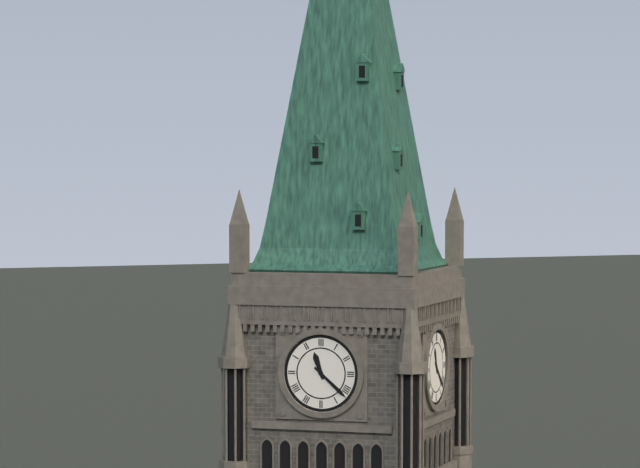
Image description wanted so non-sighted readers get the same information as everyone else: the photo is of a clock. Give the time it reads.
11:22
